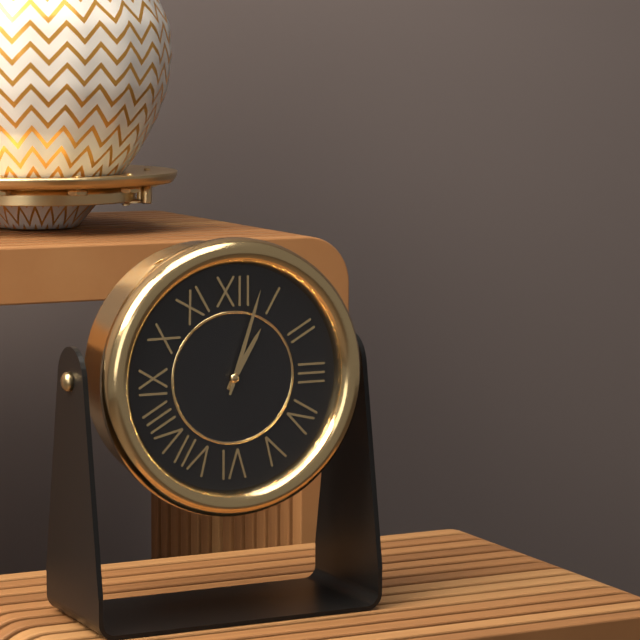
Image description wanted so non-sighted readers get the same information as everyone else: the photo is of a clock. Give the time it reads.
1:03
